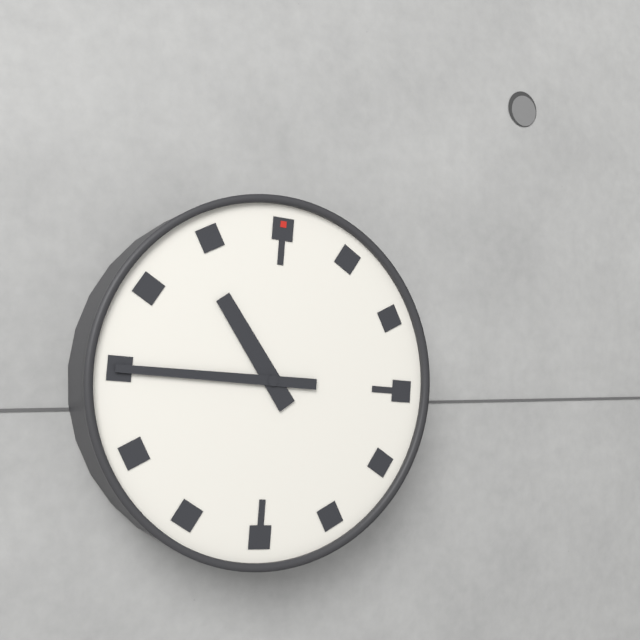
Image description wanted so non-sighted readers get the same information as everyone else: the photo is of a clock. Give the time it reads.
10:45
